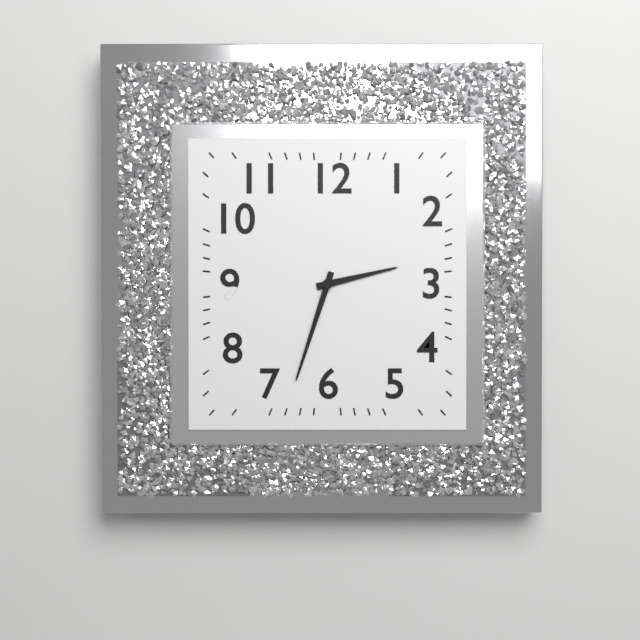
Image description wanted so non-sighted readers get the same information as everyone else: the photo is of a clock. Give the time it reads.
2:33
